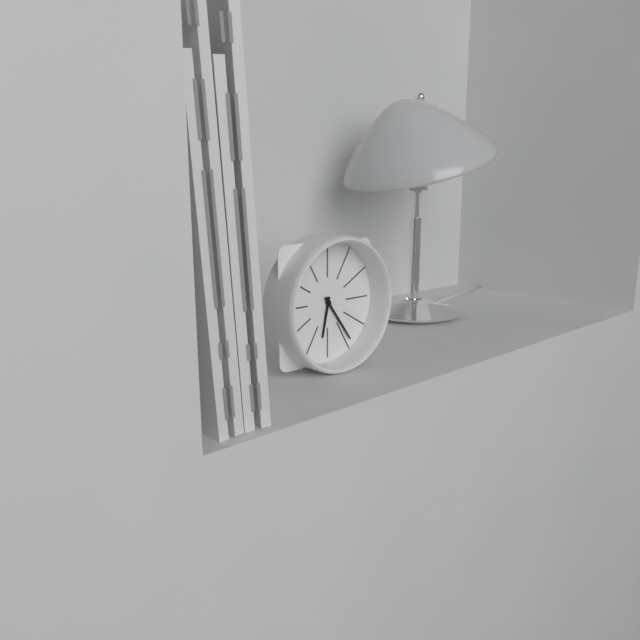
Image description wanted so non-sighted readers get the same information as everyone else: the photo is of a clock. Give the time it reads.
6:24
